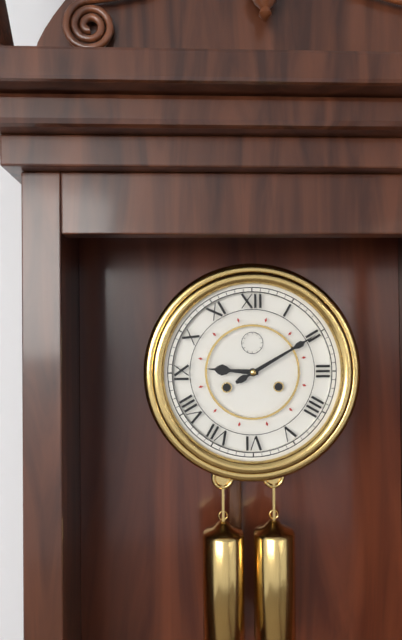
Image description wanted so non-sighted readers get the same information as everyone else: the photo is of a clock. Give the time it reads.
9:10
